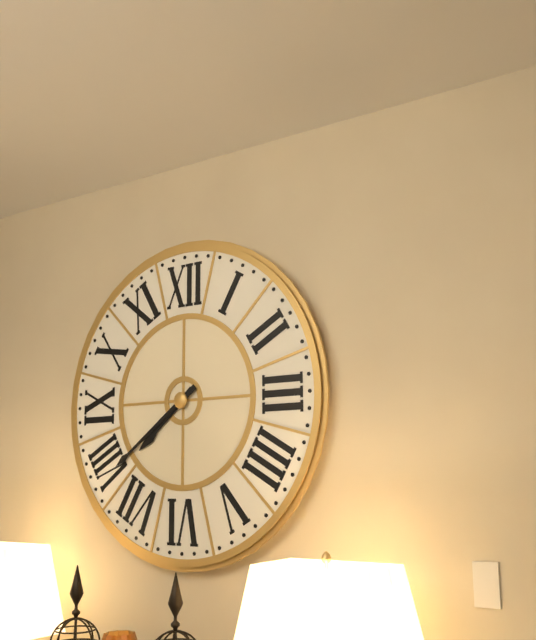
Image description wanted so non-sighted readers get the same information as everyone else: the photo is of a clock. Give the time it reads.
7:39
